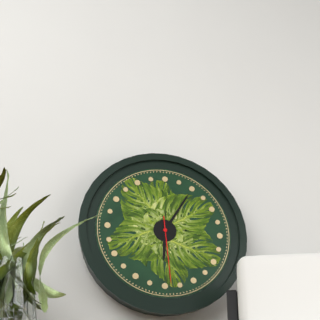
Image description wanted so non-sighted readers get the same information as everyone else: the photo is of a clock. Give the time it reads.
6:05:29
